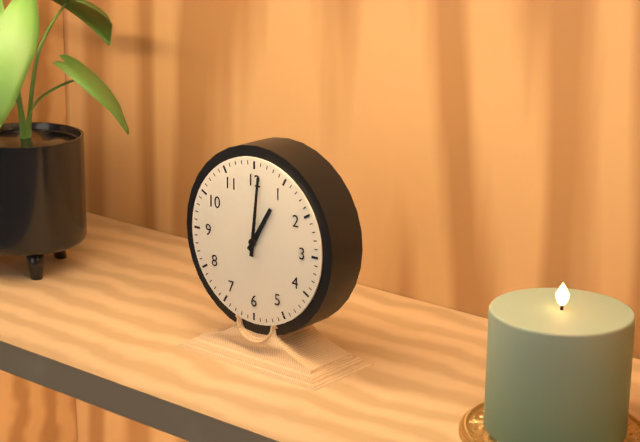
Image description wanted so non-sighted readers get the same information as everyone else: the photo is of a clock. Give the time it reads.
1:01
